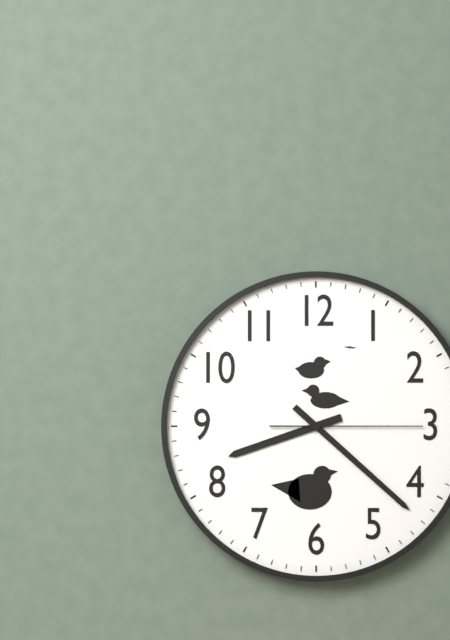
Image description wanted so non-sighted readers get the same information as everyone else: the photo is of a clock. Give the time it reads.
8:22:15
